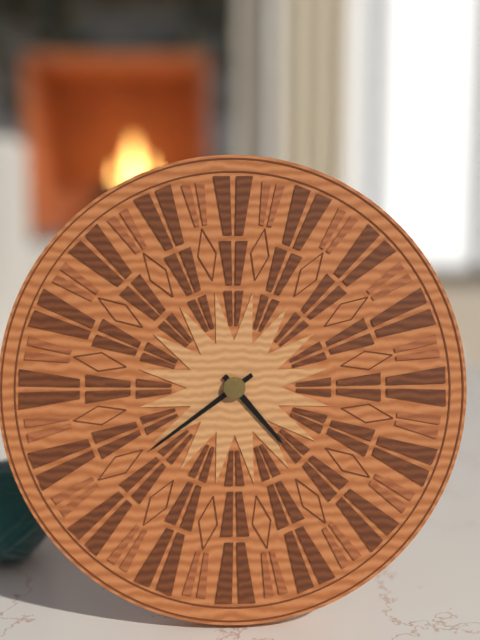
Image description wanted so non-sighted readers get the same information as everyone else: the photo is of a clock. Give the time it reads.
4:39
